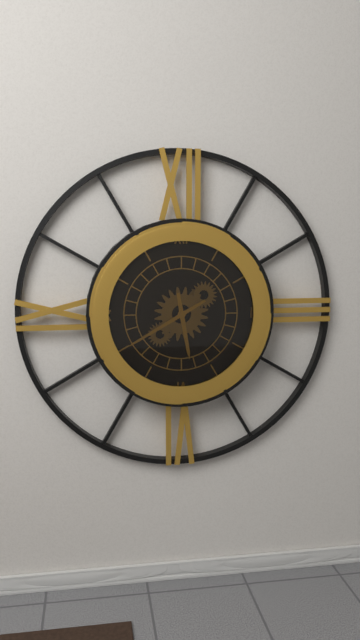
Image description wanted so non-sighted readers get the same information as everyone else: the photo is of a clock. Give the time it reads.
5:40
